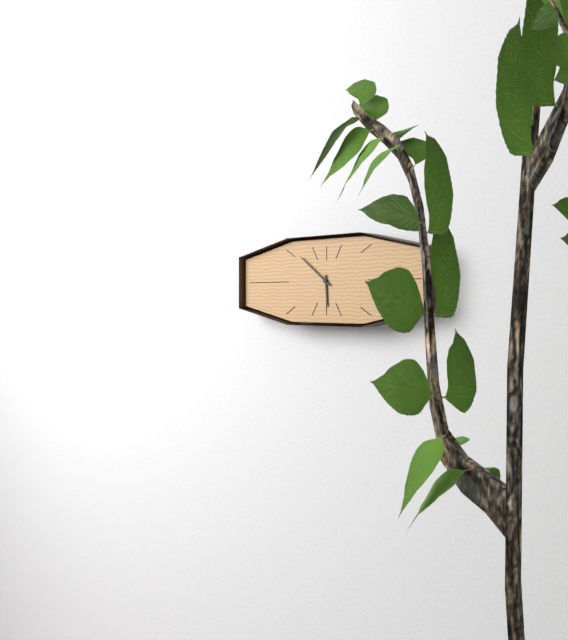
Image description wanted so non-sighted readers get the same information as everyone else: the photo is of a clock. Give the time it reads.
5:51
